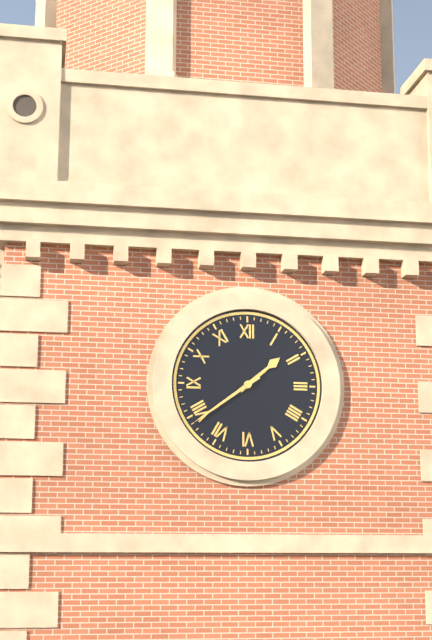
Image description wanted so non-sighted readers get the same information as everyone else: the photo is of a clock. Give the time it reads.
1:39
